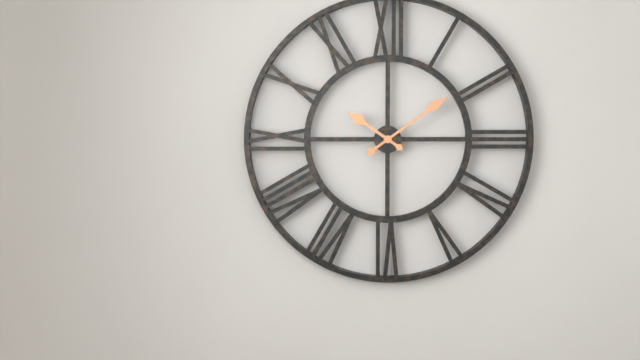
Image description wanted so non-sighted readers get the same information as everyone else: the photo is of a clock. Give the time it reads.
10:09
